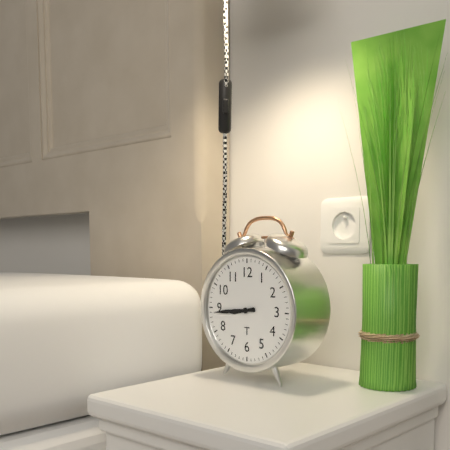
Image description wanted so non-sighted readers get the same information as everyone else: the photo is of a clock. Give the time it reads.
8:44
